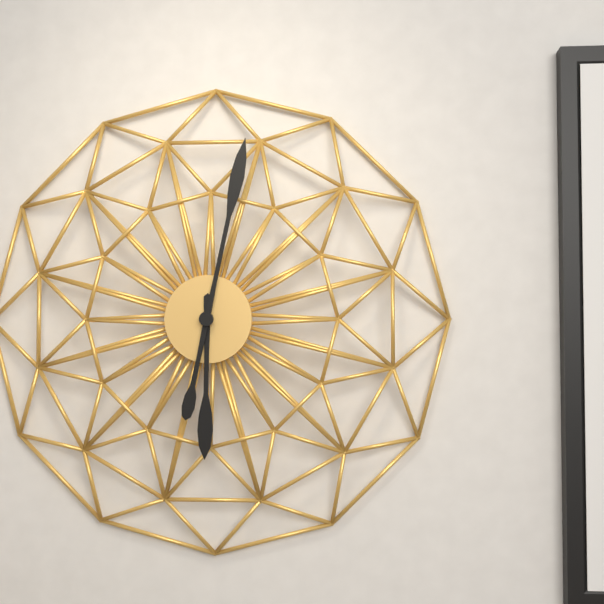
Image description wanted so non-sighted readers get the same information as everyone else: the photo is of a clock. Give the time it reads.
6:02
